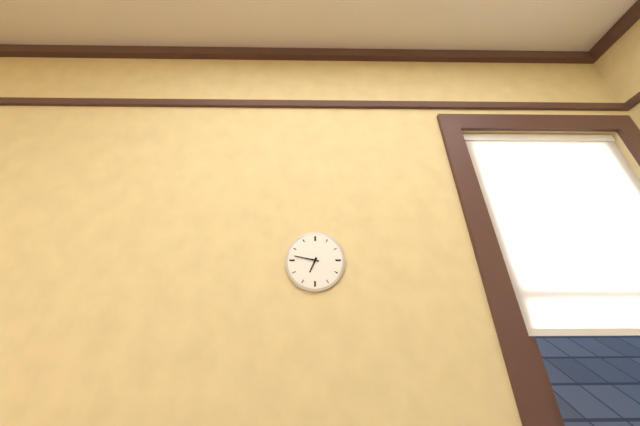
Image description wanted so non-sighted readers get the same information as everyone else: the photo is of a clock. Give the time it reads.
6:47
